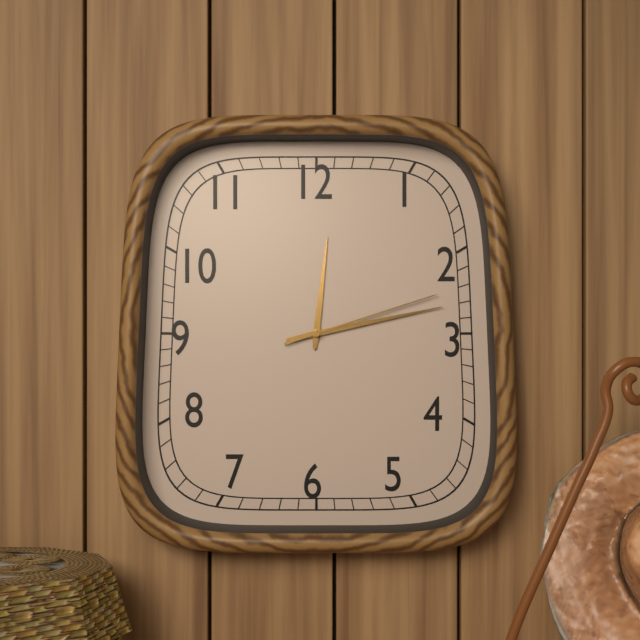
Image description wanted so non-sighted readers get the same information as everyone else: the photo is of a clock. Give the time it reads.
12:13:12
